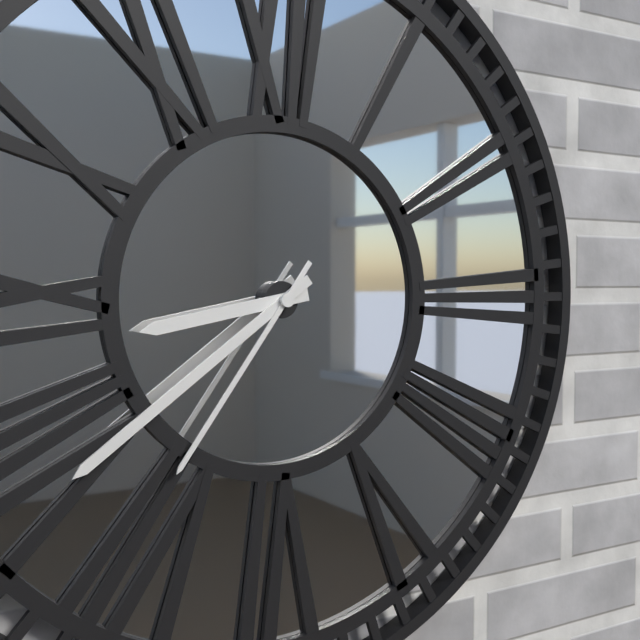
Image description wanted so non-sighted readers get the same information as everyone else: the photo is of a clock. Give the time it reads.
8:39:36
